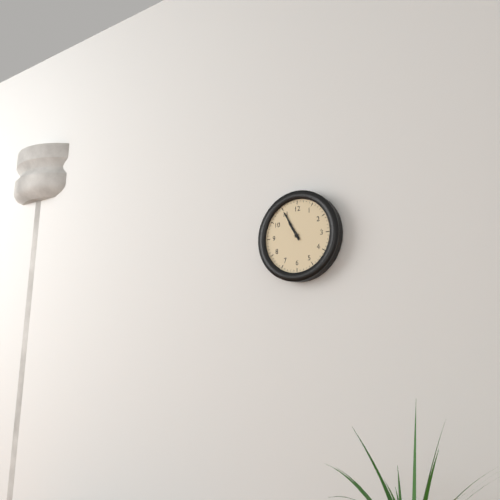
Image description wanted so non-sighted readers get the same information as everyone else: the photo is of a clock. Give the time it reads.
10:55
